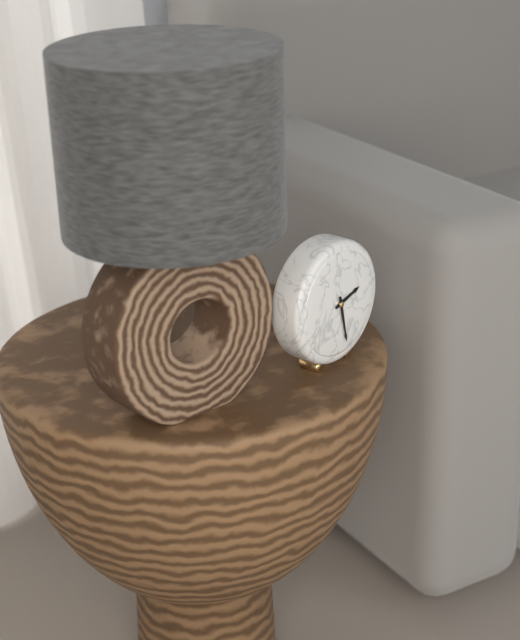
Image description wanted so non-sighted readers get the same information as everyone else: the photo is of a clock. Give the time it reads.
2:28
